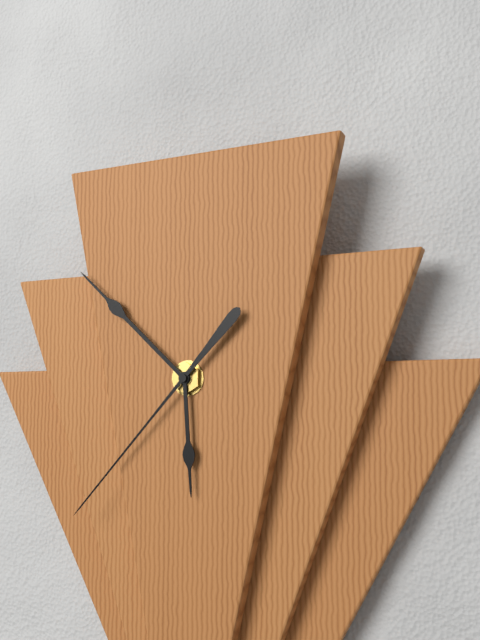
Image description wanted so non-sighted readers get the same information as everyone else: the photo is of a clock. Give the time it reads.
5:52:37
